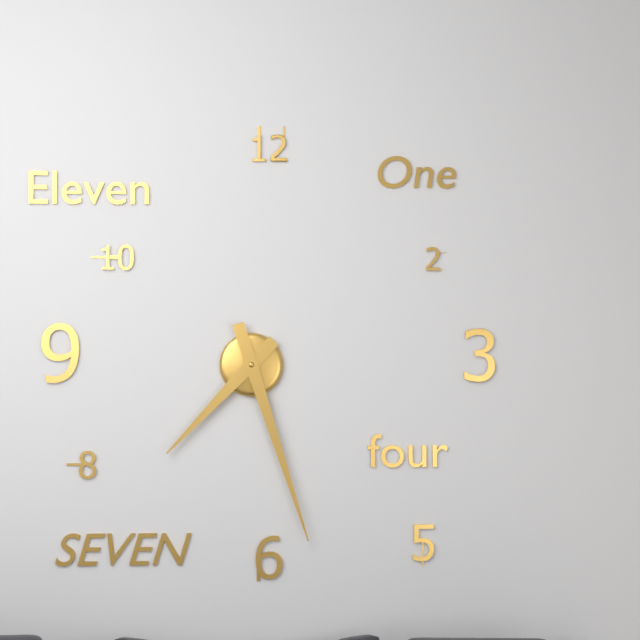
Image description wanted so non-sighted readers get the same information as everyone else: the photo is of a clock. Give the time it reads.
7:27
